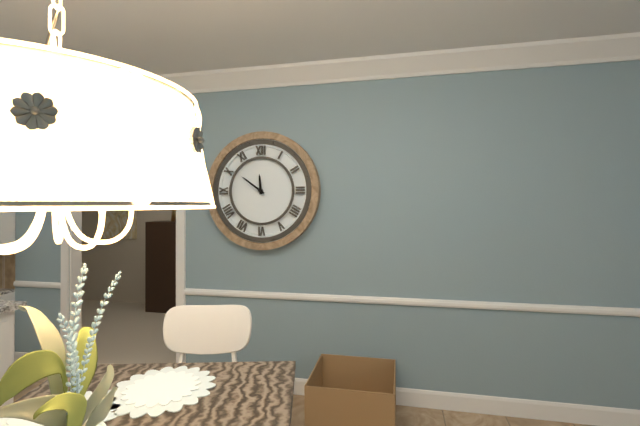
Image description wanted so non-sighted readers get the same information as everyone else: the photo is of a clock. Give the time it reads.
11:51
